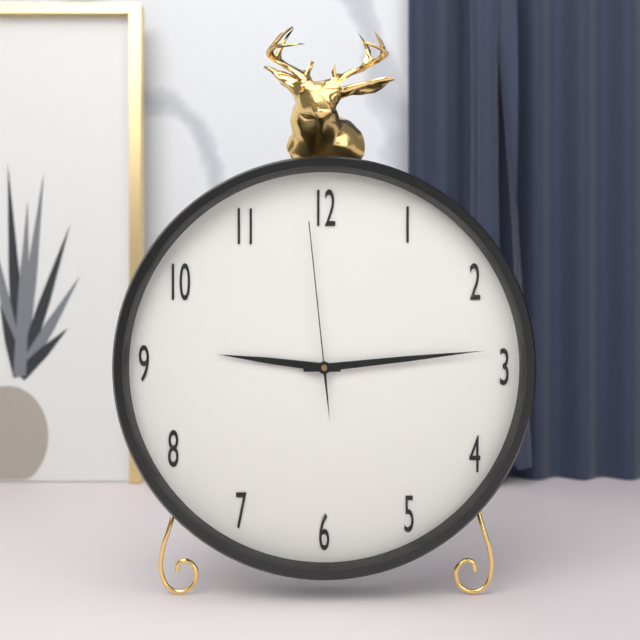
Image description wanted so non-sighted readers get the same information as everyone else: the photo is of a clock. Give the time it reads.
9:14:59
